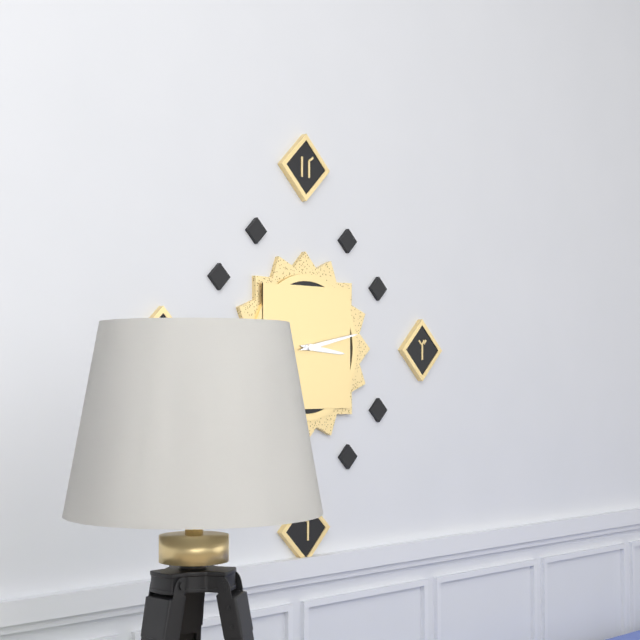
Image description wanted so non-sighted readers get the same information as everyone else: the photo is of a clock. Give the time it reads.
3:13
